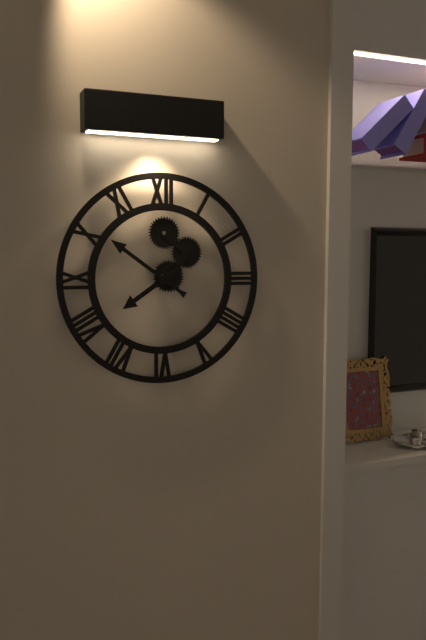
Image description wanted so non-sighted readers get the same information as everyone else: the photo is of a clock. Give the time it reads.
7:51
